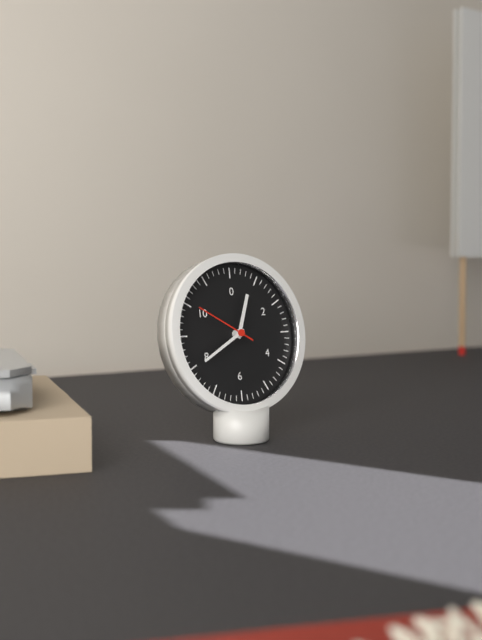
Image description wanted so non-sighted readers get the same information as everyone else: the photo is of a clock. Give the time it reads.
12:40:50
